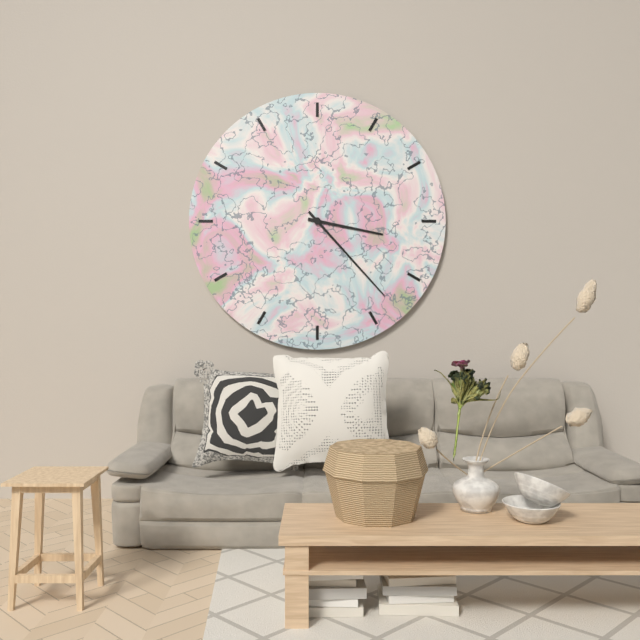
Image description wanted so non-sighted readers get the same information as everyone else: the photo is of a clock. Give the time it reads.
3:23
